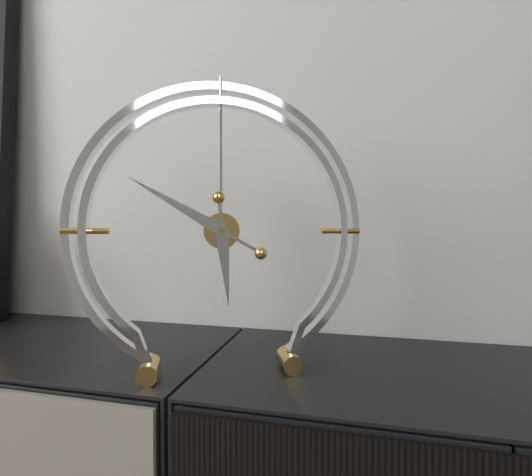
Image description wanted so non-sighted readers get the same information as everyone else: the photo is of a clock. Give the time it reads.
5:50
